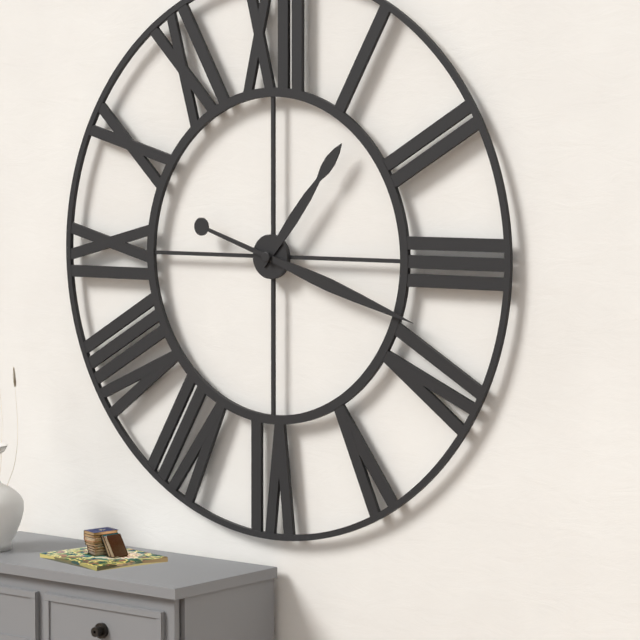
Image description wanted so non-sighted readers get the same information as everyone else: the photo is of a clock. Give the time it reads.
1:18
